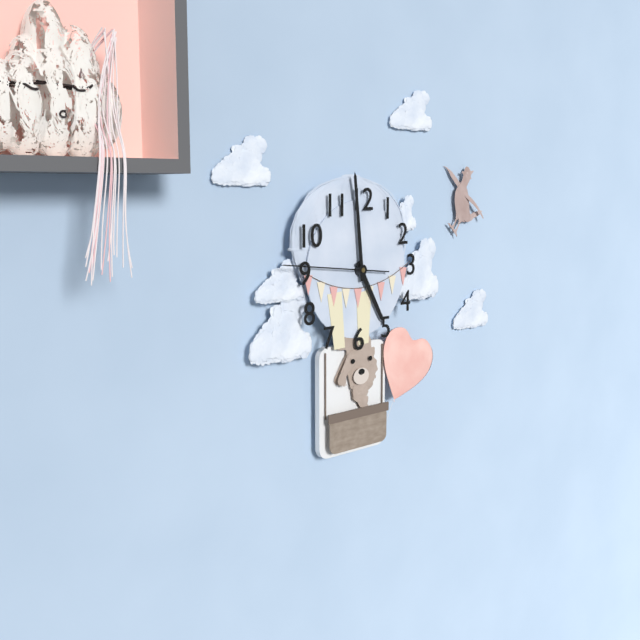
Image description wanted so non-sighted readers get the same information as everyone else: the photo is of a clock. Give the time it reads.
4:59:46
